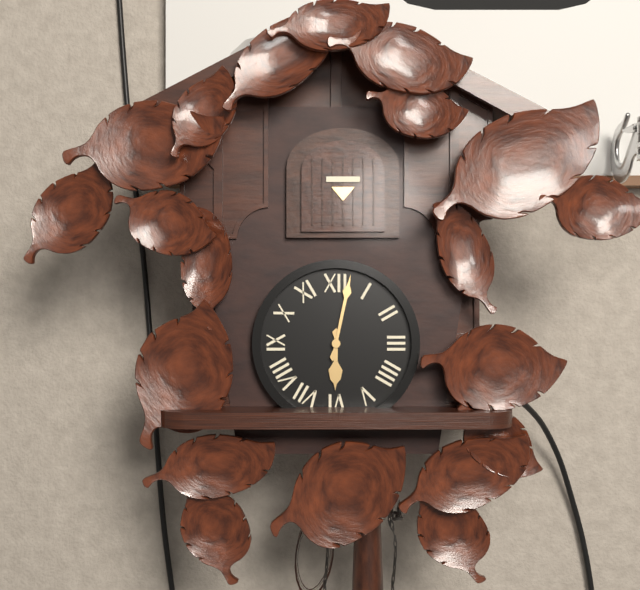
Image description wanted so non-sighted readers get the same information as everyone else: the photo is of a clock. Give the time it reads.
6:02
